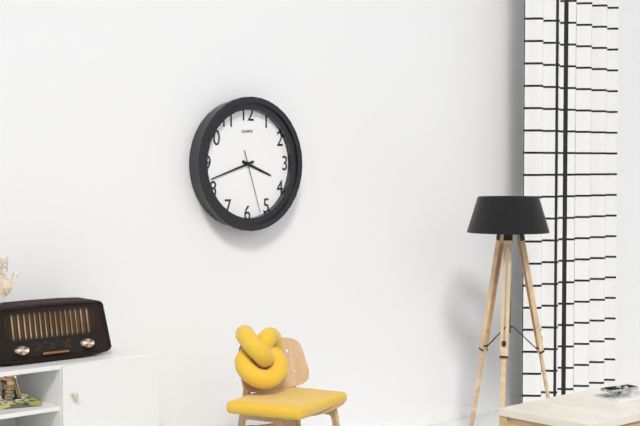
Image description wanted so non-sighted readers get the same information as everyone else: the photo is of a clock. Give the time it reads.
3:42:27
